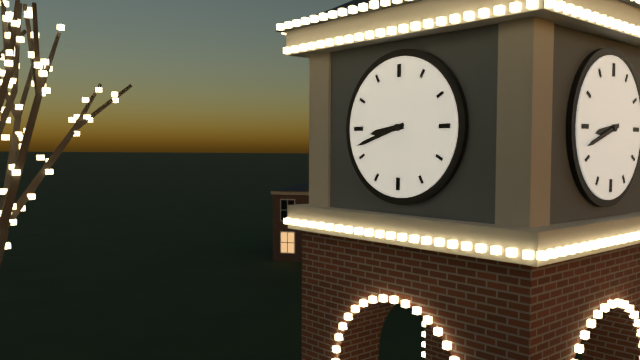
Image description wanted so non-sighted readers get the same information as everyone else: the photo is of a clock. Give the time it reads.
8:42
